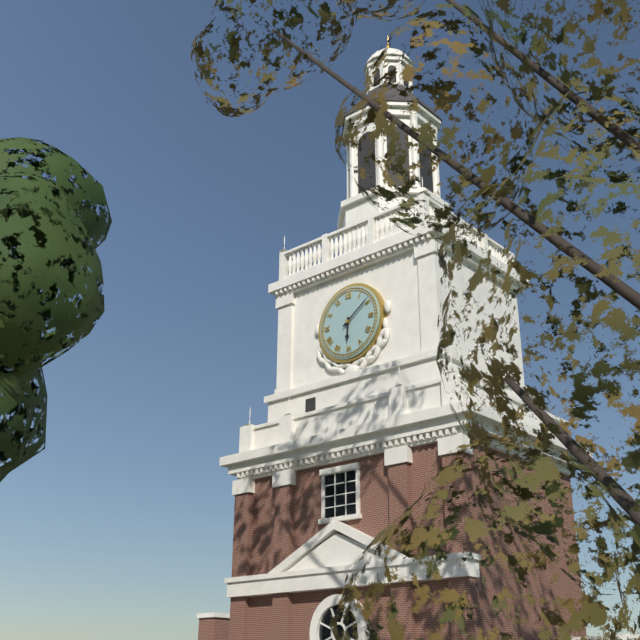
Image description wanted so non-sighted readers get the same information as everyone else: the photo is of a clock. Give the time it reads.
6:09
